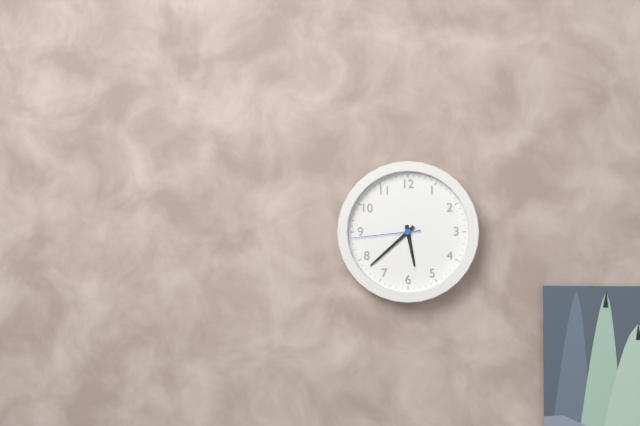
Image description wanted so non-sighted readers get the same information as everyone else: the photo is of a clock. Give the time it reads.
5:38:44
